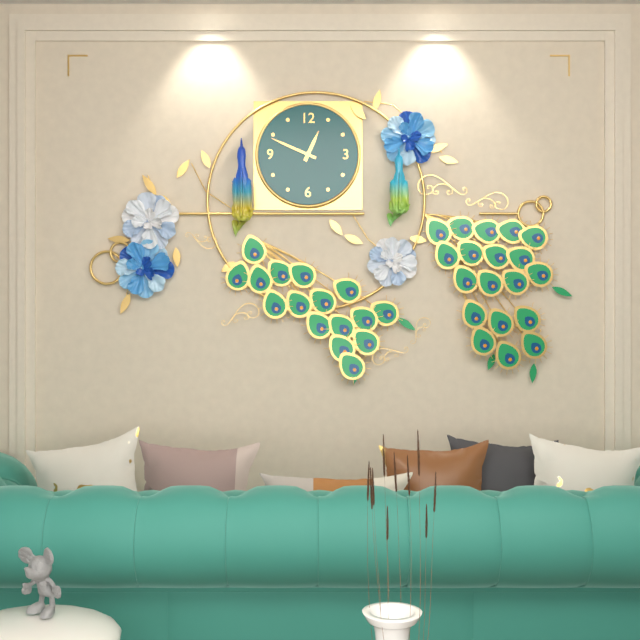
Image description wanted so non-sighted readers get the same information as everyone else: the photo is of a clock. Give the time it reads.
12:49
